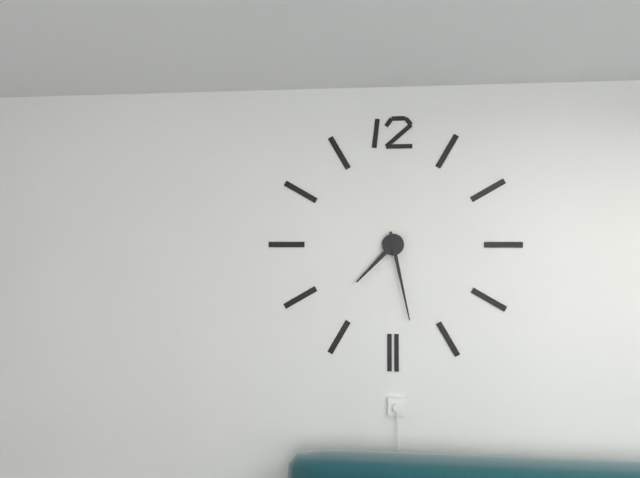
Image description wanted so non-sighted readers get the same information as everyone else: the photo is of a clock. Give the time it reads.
7:28
